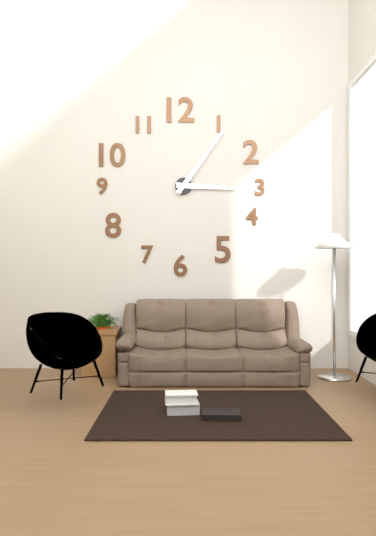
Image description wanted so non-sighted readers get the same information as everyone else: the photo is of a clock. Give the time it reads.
3:06
